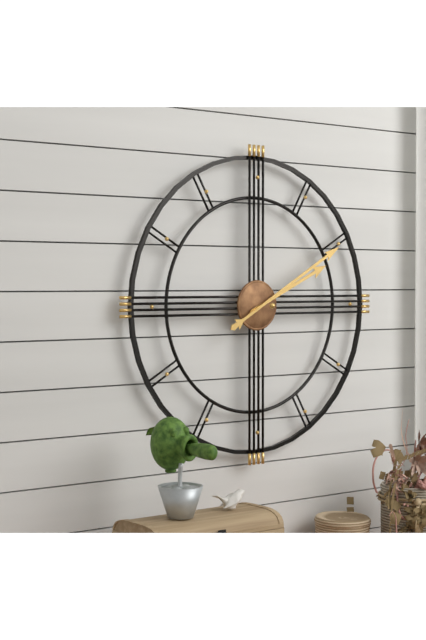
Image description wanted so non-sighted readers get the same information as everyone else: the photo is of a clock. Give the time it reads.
2:10
